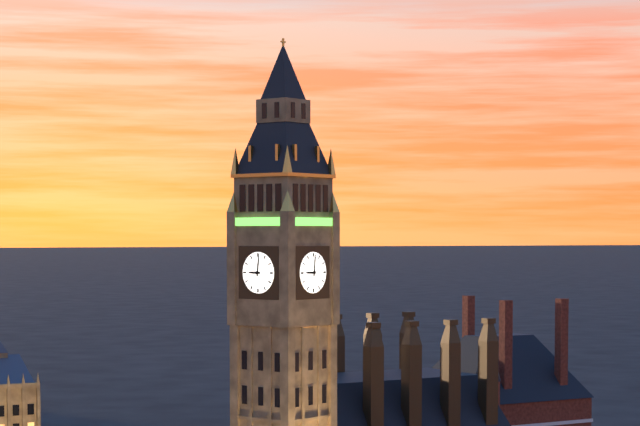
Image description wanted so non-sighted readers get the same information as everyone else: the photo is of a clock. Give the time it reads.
9:01
